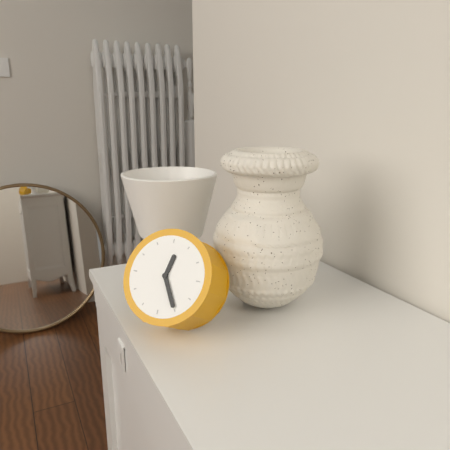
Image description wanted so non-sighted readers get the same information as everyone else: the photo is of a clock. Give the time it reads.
12:25
